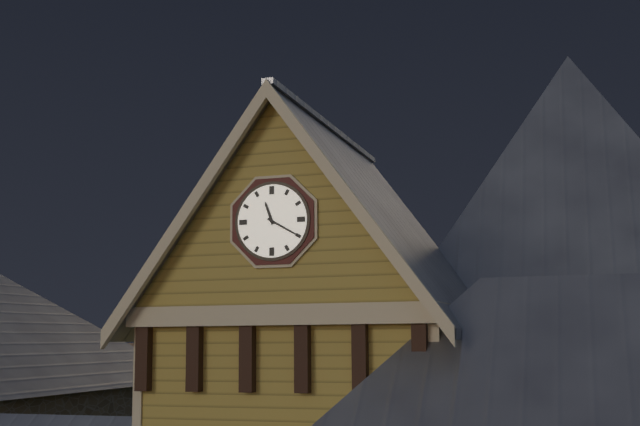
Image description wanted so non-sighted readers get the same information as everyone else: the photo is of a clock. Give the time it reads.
11:20
